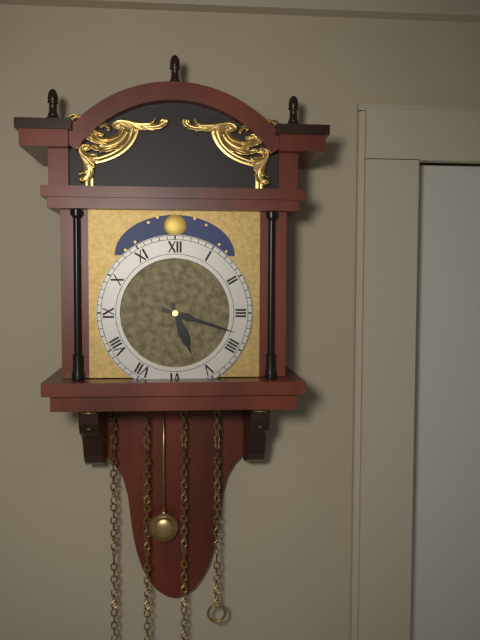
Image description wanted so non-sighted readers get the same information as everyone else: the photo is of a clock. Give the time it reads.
5:18
